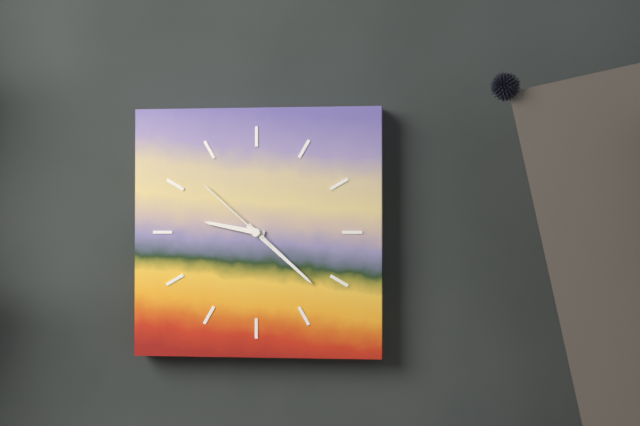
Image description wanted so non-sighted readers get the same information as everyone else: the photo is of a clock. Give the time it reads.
9:22:52
